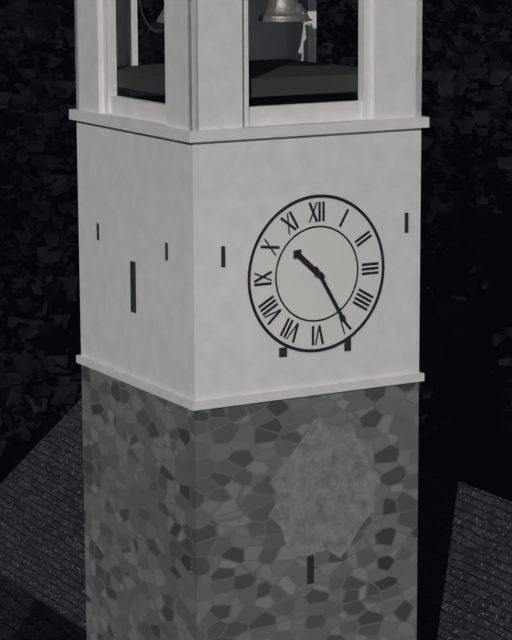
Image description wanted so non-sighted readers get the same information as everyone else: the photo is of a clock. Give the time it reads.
10:25
